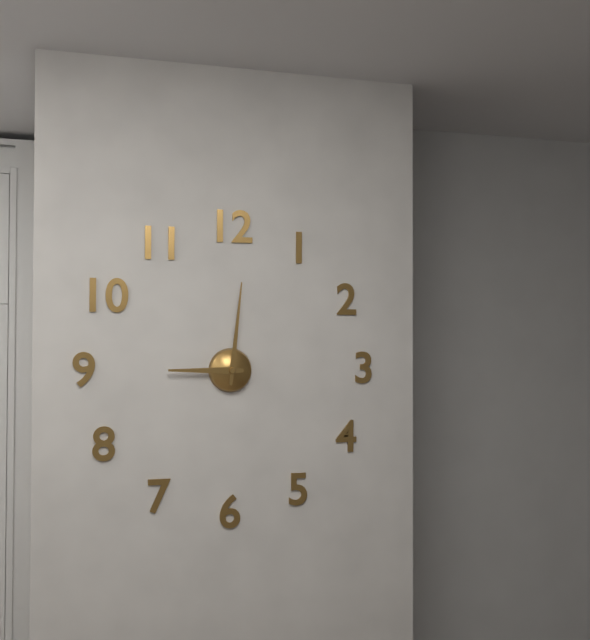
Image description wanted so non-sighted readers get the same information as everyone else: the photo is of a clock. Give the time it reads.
9:01
